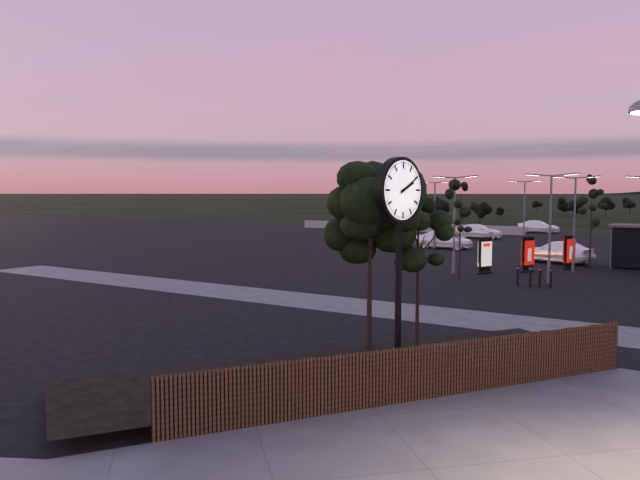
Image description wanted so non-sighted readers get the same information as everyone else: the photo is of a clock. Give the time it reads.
2:10
